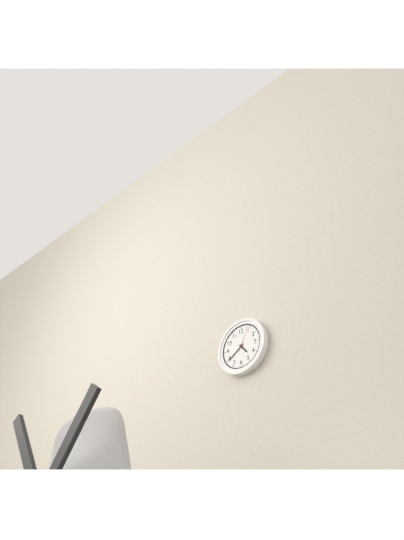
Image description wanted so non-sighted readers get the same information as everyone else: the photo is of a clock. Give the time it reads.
4:39
